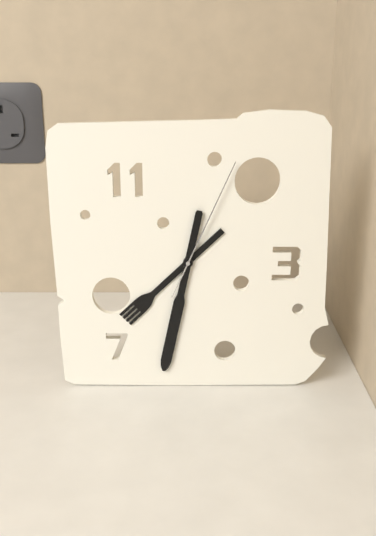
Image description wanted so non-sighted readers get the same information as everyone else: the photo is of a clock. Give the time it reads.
7:32:04
